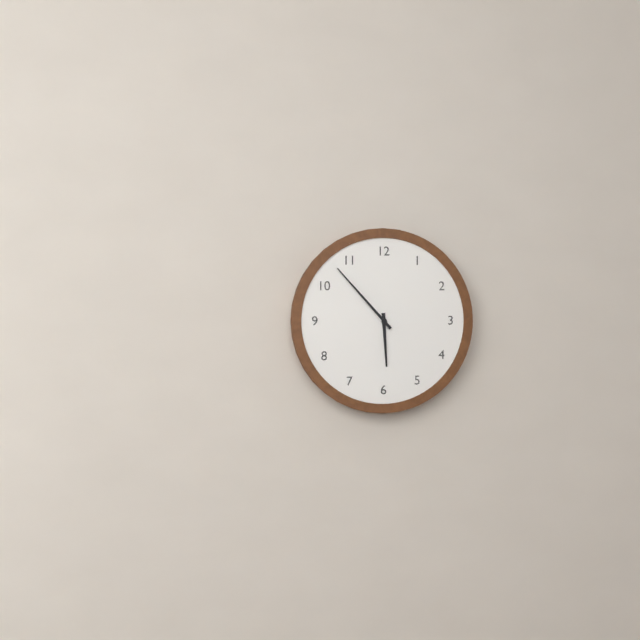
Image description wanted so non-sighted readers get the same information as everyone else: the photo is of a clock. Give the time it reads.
5:53
